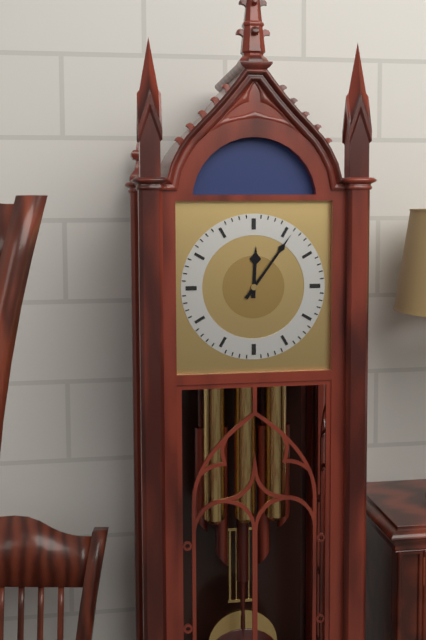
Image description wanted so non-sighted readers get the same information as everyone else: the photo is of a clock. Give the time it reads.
12:06
